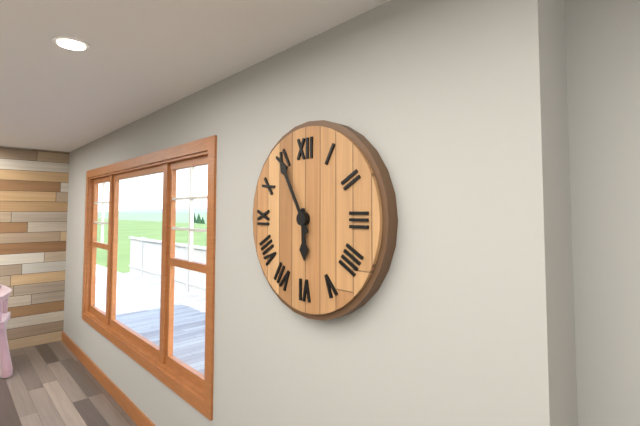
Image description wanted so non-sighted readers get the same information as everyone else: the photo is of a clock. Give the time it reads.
5:55
